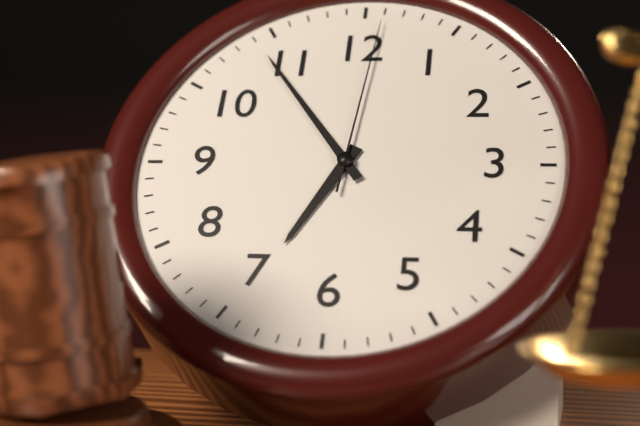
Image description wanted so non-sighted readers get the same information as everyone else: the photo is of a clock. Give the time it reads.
6:54:01
